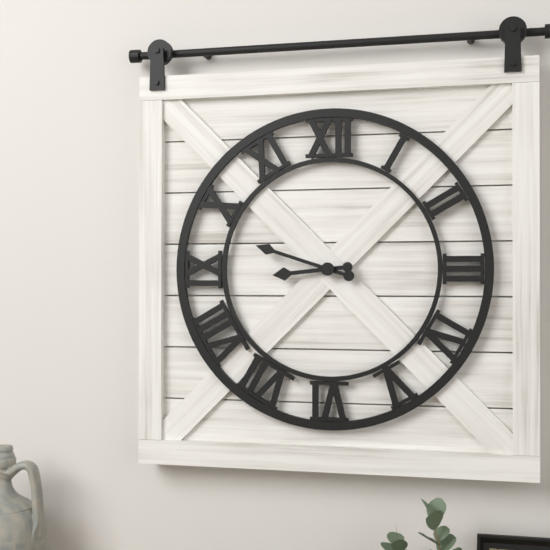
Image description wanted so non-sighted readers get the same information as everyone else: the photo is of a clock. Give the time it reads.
8:48
